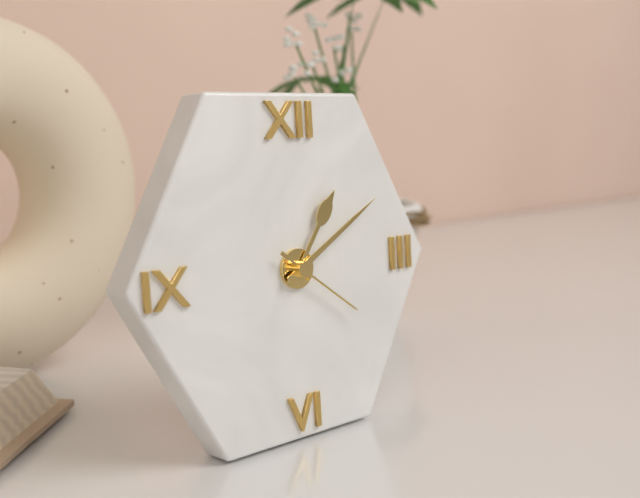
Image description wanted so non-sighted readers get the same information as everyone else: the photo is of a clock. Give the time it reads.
1:10:21
